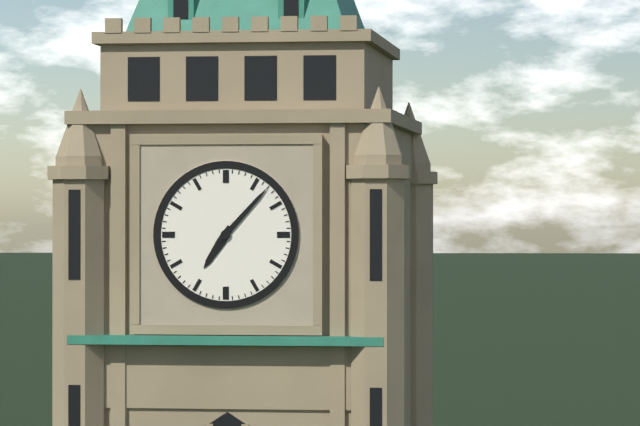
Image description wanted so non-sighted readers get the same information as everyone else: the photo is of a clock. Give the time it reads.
7:07
